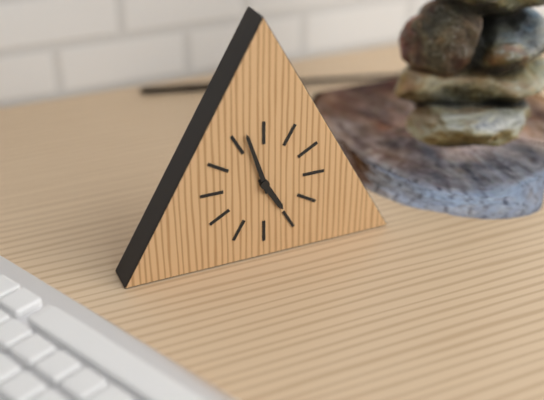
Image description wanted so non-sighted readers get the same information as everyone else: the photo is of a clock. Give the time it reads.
4:57
